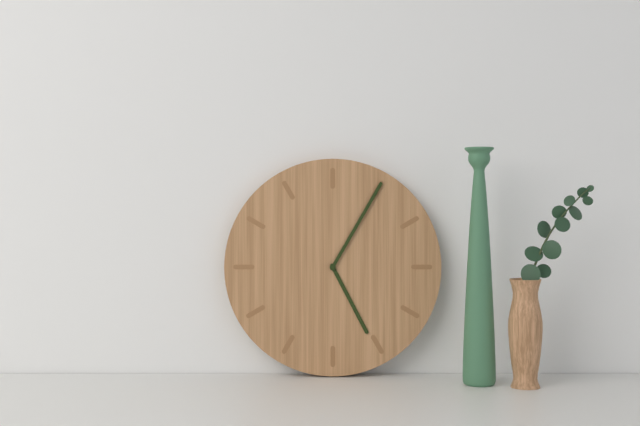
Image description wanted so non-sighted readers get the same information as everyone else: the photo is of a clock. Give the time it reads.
5:05
